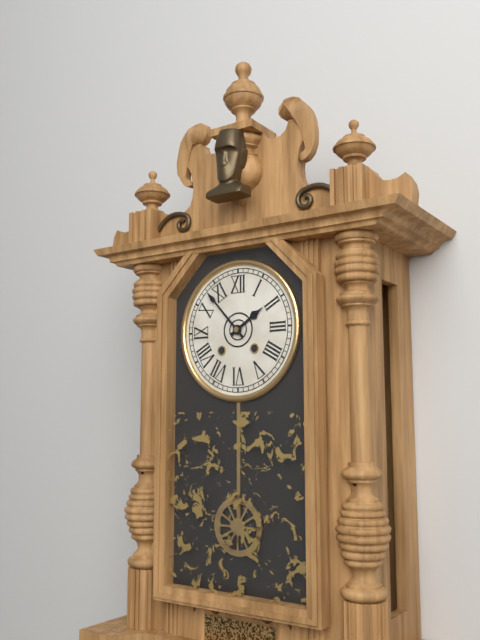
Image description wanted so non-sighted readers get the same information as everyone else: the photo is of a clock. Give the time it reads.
1:53
